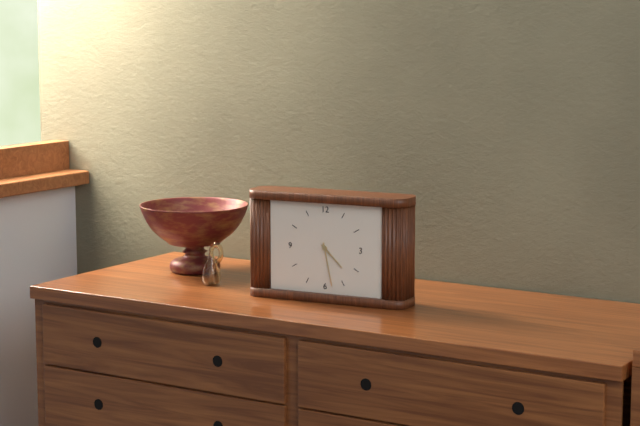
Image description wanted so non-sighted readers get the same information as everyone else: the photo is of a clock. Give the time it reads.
4:28
